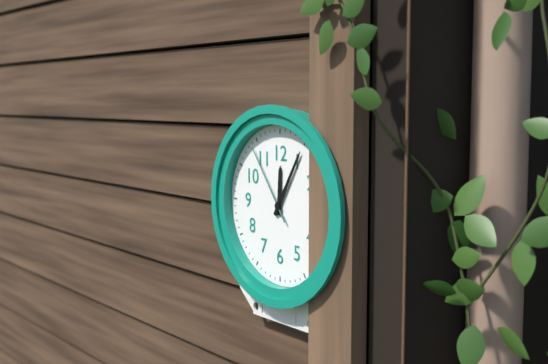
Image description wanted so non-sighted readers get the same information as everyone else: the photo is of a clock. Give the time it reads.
12:05:54
